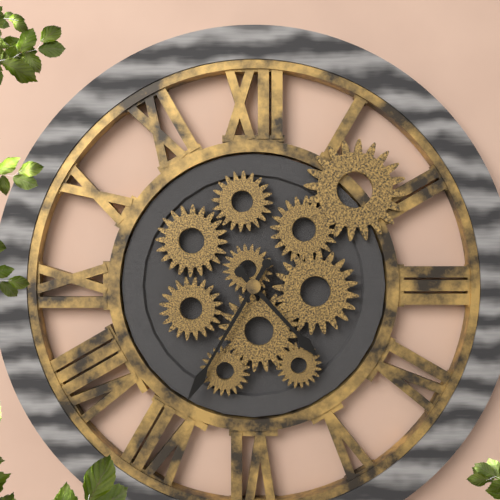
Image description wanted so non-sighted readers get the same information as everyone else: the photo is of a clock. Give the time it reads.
4:35
